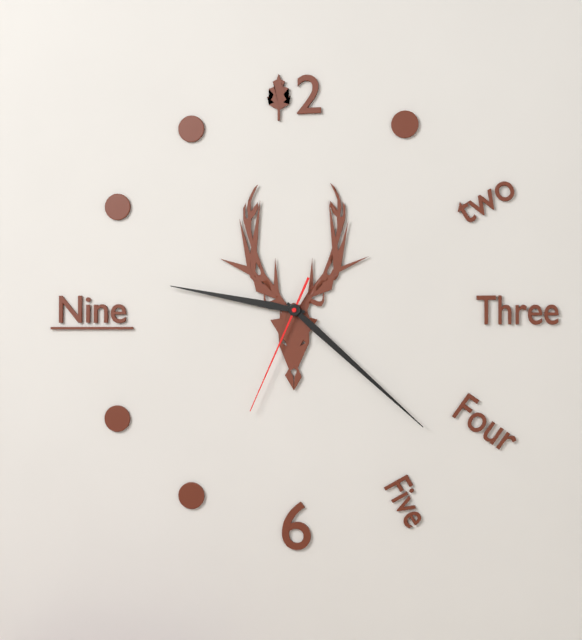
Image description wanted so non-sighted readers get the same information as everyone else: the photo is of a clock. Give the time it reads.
9:22:34
